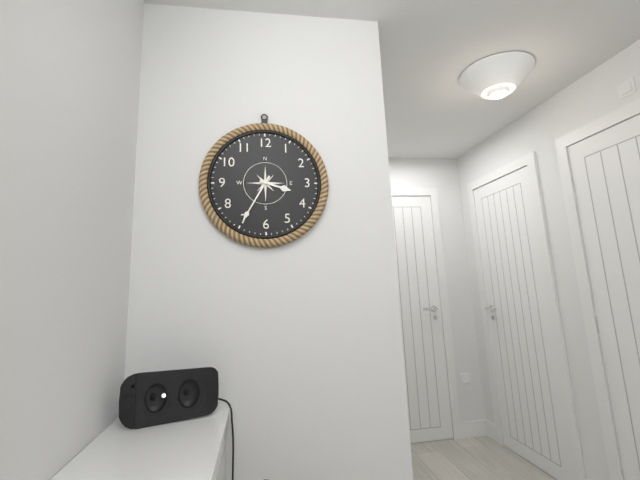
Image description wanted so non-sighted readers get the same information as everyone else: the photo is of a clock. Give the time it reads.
3:35
